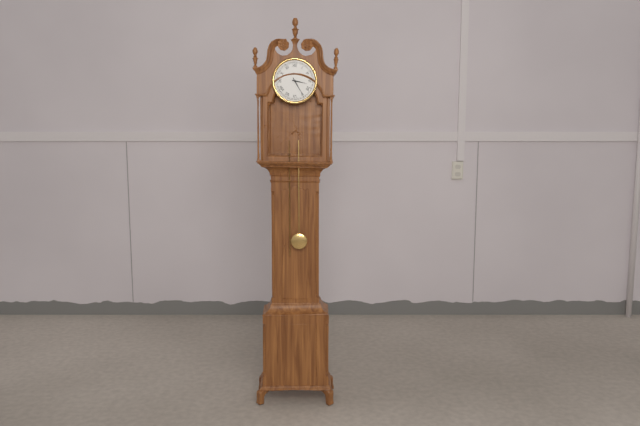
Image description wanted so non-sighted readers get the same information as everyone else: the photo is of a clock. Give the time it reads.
3:25
